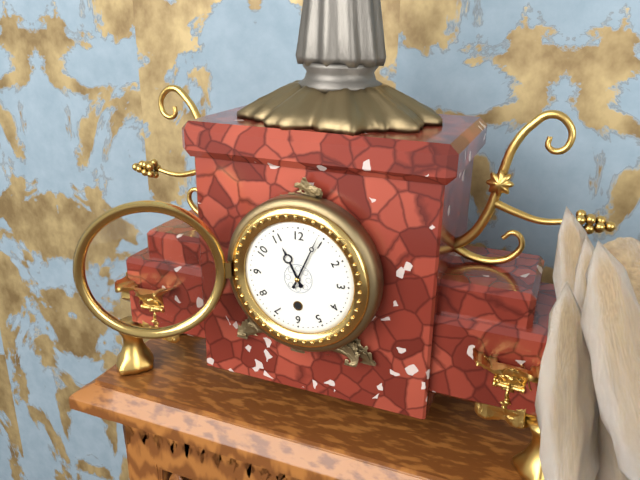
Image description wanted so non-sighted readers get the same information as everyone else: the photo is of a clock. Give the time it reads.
11:04
